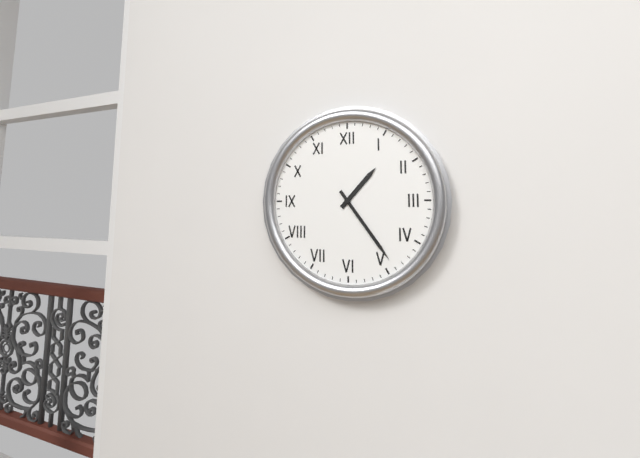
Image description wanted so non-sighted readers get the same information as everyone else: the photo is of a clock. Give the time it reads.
1:24
